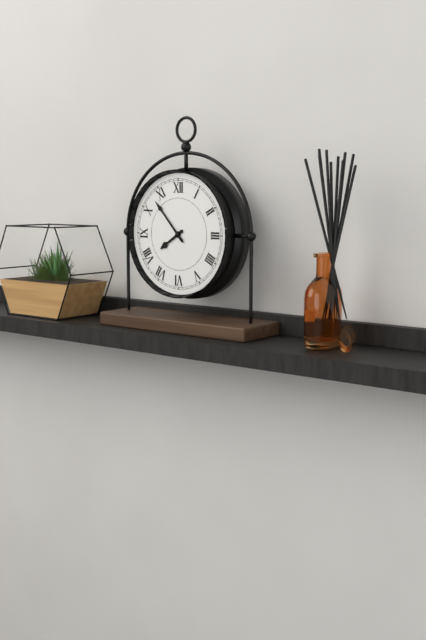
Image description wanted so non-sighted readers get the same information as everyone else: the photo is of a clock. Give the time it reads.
7:53
